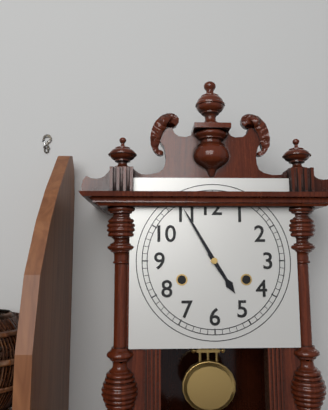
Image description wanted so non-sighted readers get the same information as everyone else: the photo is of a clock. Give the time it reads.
4:55
